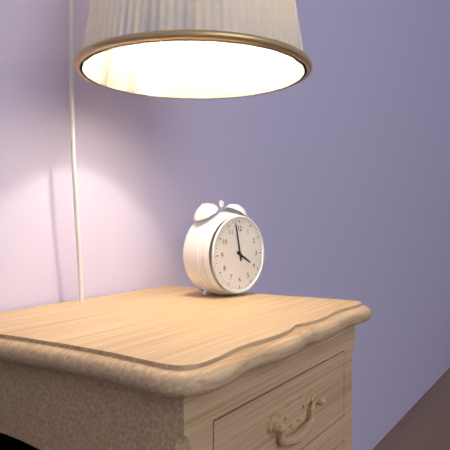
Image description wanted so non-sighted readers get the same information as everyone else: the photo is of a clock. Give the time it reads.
3:58
